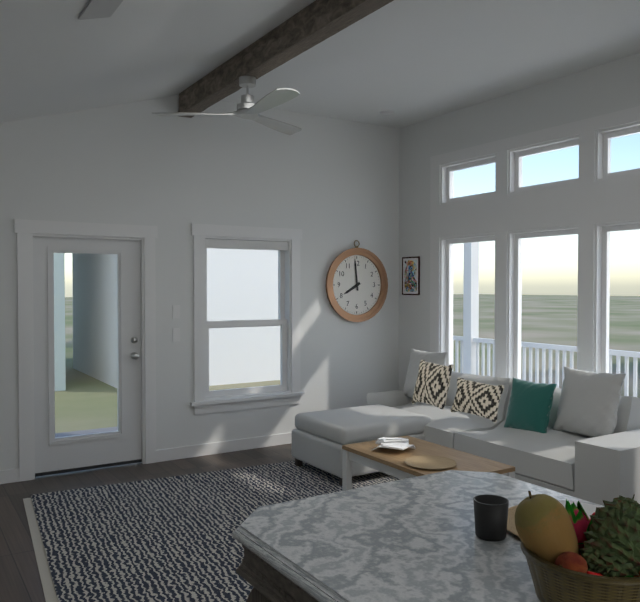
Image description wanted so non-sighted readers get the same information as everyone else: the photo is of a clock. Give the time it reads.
7:59
